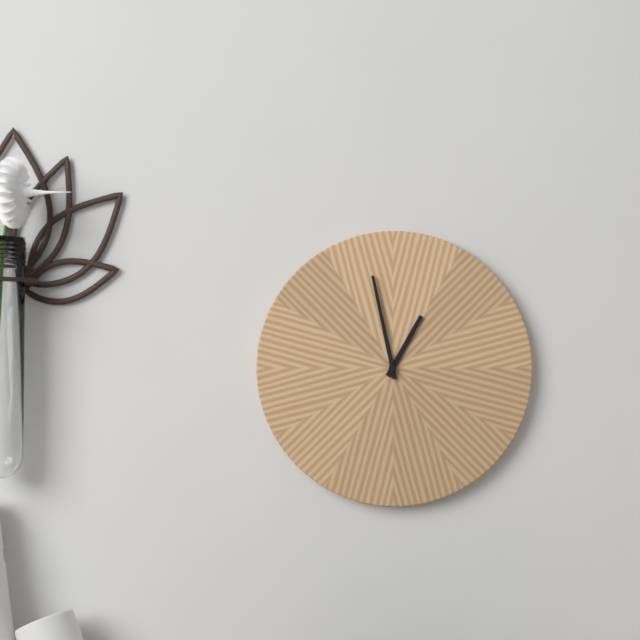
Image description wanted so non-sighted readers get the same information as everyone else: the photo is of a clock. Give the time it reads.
12:58
